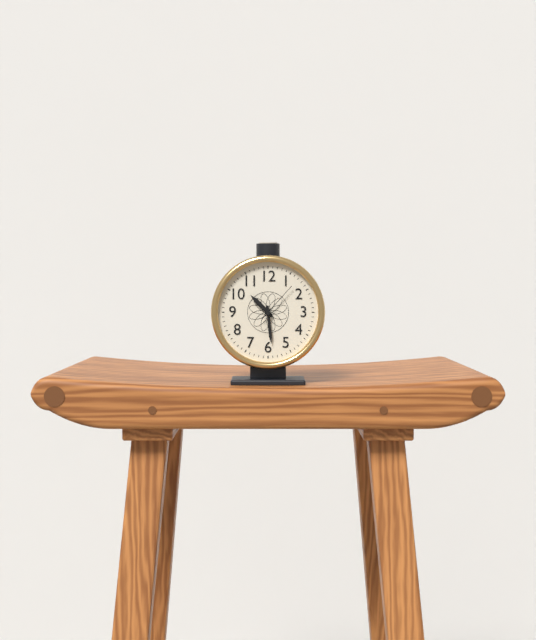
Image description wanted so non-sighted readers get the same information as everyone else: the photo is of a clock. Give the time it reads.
10:29
